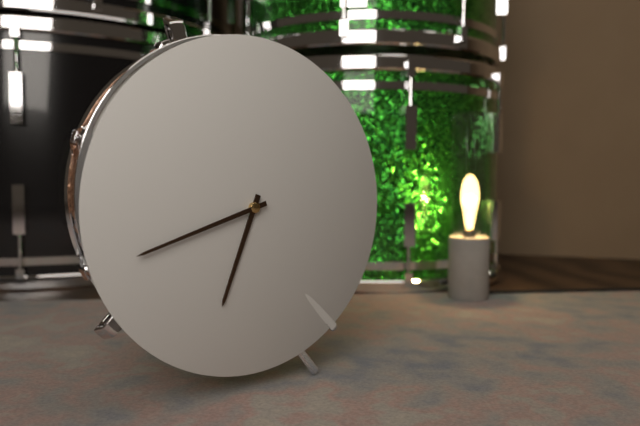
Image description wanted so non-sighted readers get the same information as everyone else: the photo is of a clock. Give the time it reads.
6:42
